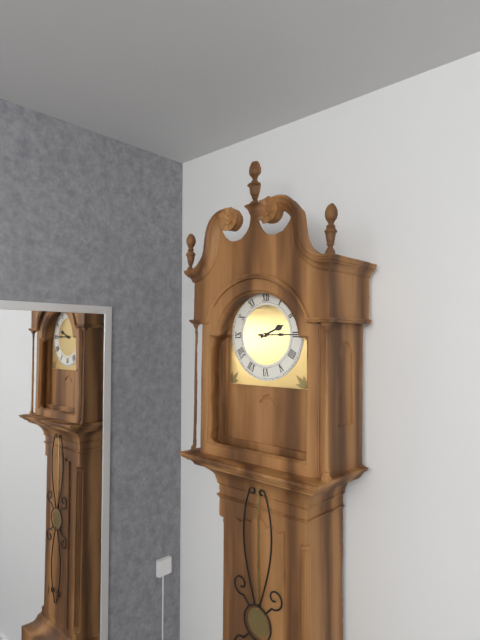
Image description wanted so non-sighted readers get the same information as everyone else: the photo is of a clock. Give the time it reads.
2:15
